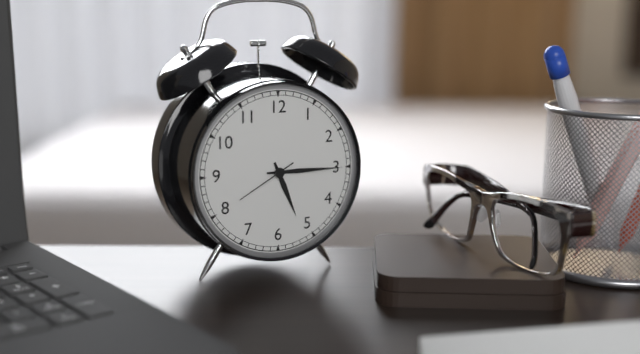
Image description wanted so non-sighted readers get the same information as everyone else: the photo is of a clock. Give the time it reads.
5:15:40
